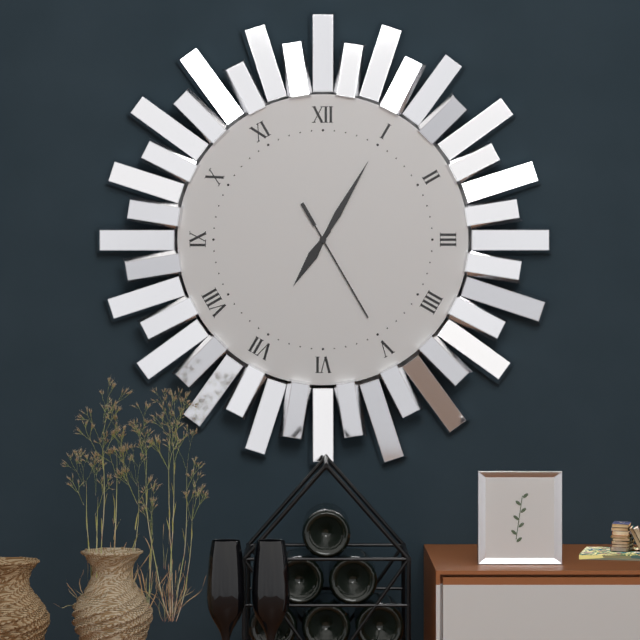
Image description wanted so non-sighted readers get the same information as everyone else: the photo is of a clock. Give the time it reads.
7:05:25
